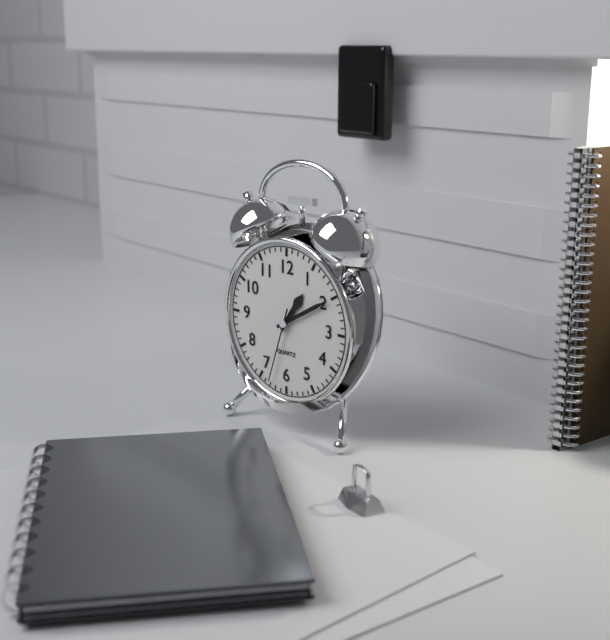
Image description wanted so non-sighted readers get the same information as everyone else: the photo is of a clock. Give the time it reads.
1:10:33
